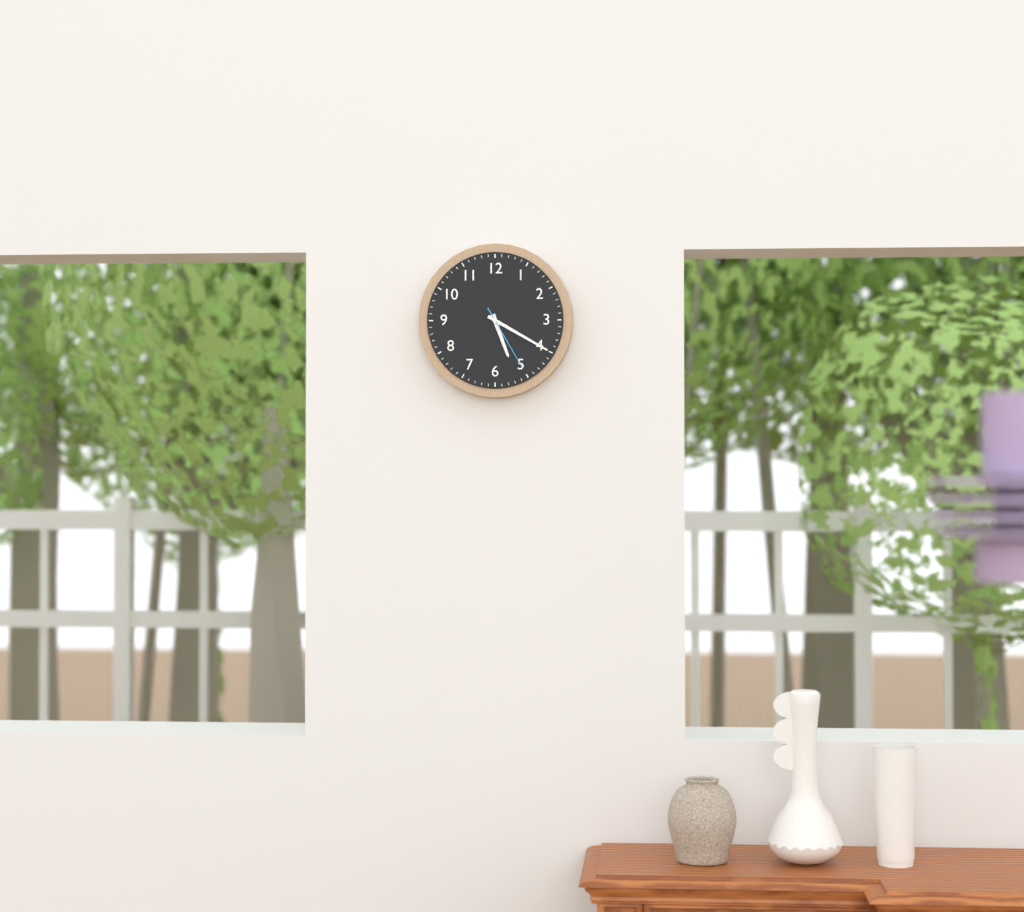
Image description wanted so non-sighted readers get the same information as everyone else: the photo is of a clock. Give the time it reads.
5:20:25
